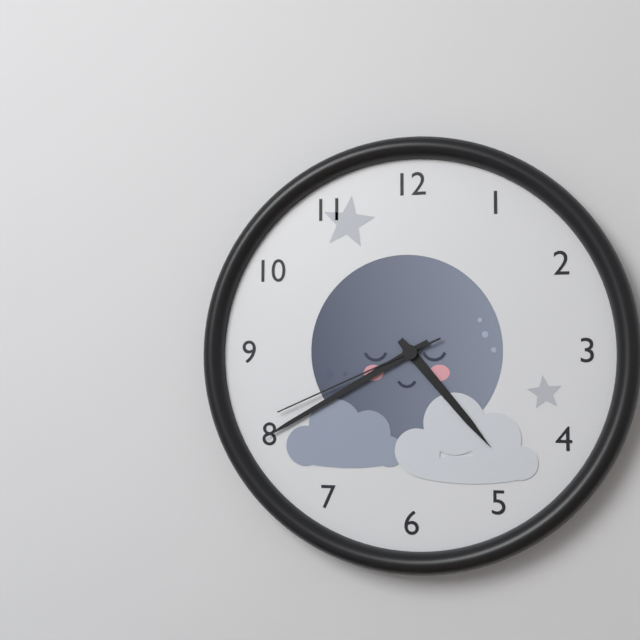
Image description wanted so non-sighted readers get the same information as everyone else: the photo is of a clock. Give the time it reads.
4:40:41
